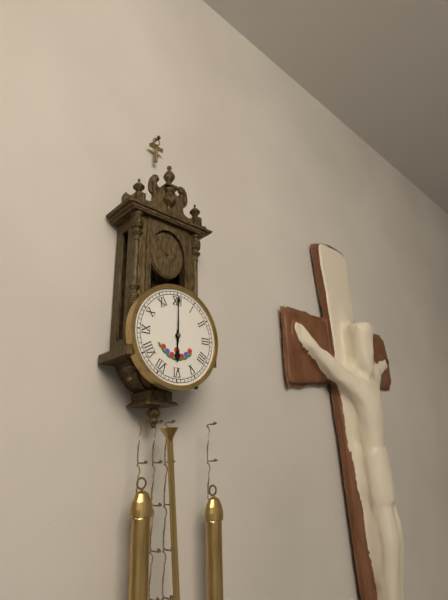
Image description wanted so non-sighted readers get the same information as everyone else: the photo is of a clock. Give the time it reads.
6:00
